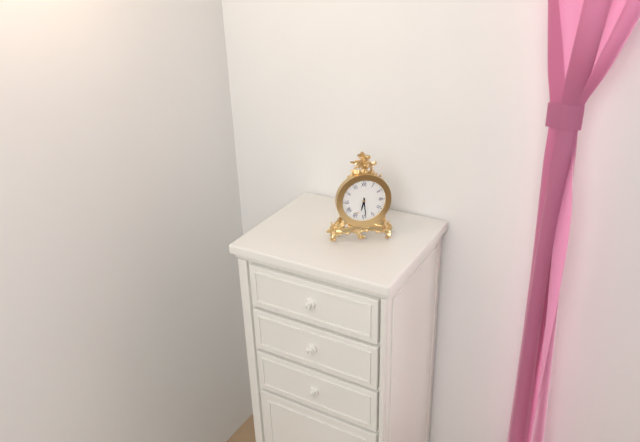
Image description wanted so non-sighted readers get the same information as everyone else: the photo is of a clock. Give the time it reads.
6:29
